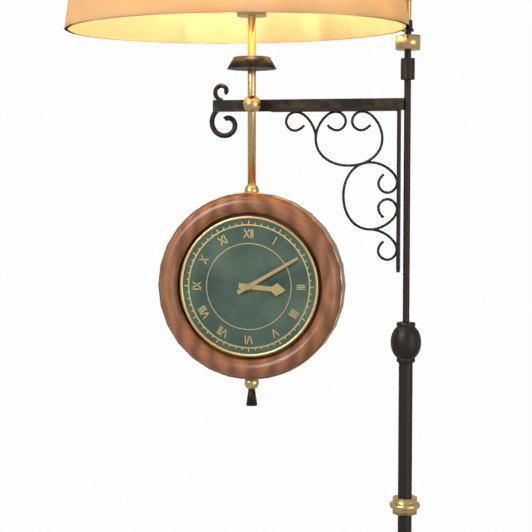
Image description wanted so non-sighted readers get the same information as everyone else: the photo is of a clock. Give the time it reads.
3:10
